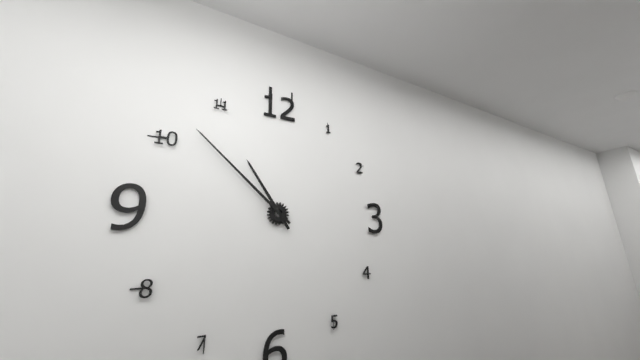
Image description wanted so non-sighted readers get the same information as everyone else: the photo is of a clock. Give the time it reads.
10:52
